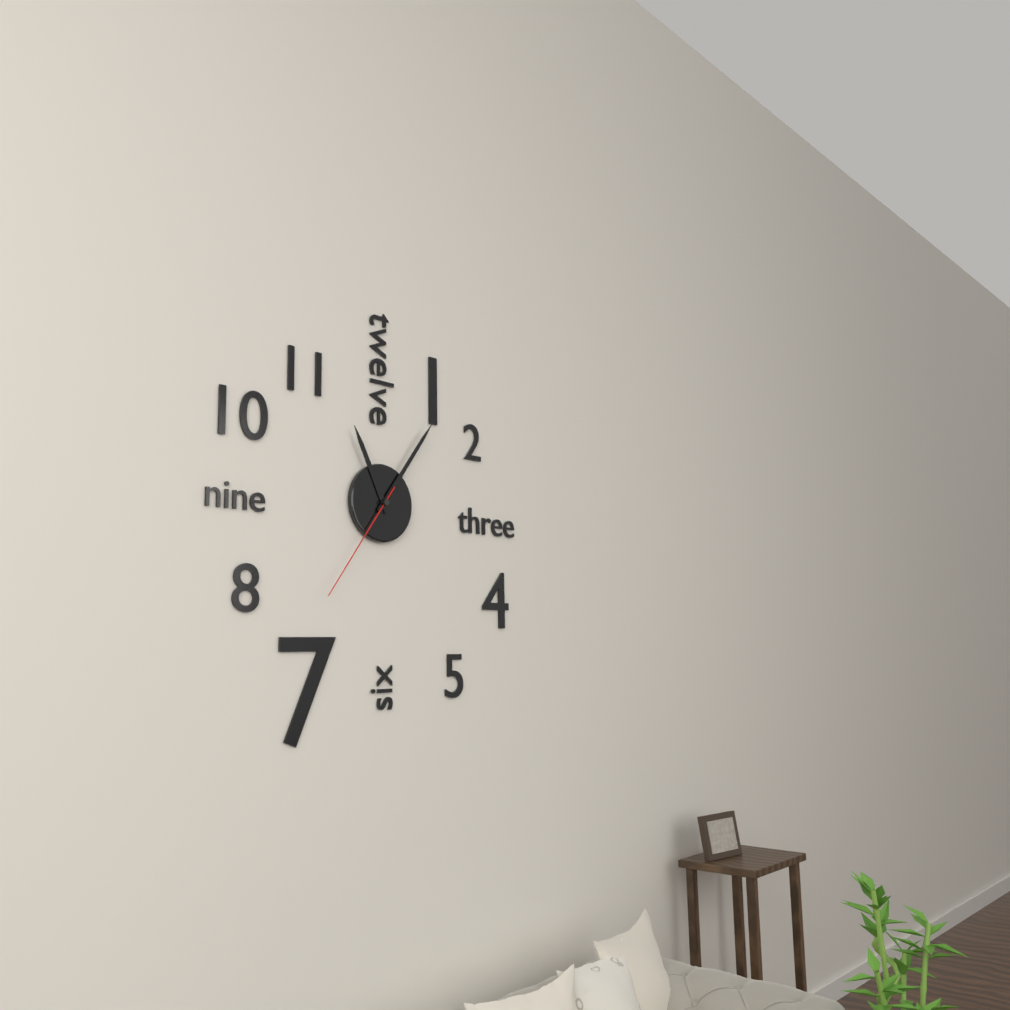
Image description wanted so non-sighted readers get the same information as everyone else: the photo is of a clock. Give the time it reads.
11:06:36
